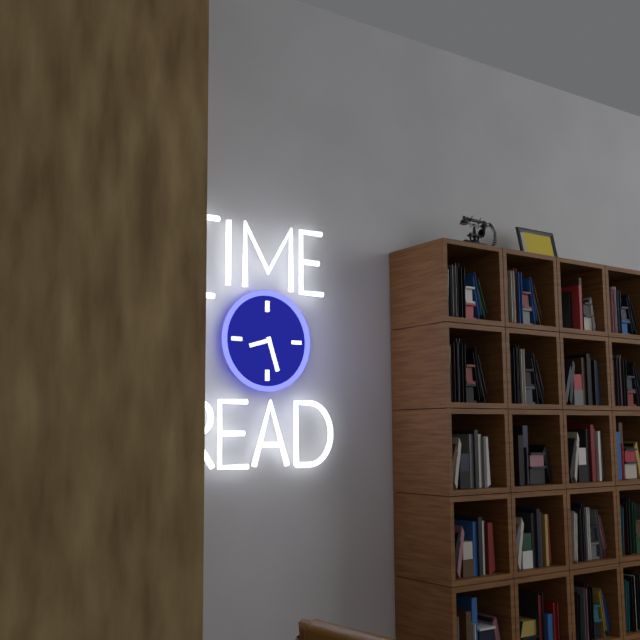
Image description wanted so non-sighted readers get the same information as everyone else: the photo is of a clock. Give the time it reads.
8:27
